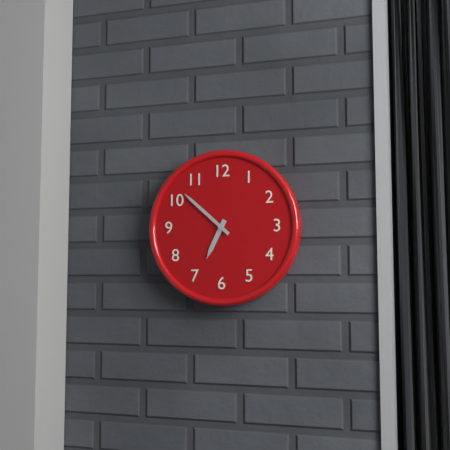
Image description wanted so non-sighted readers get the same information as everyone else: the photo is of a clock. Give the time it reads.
6:52
